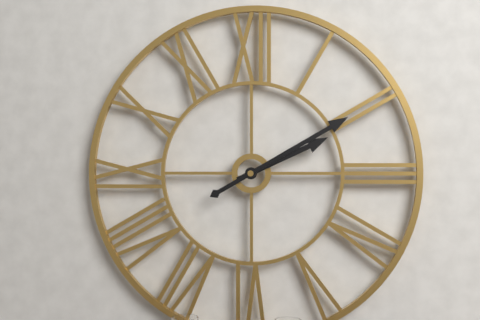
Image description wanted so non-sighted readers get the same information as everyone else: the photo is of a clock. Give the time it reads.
2:10
